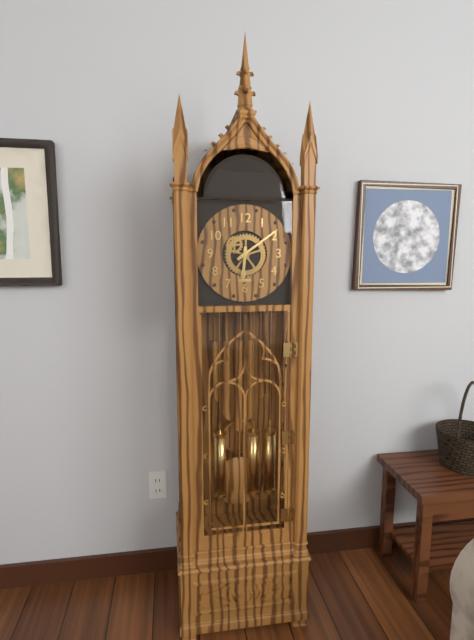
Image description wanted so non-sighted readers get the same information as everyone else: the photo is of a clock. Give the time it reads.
6:09
